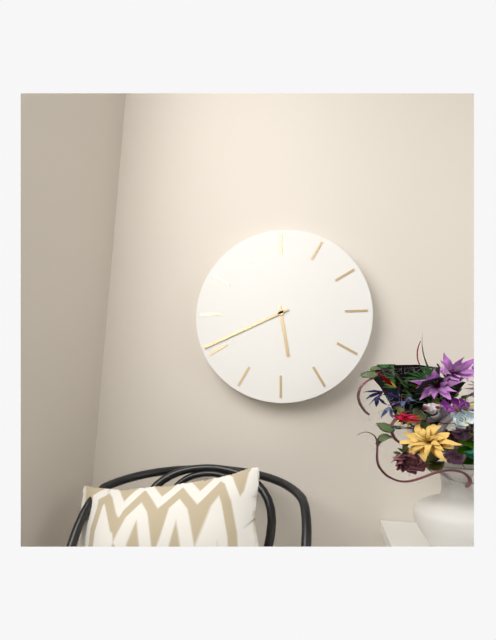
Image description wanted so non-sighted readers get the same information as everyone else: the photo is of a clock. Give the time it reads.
5:41
